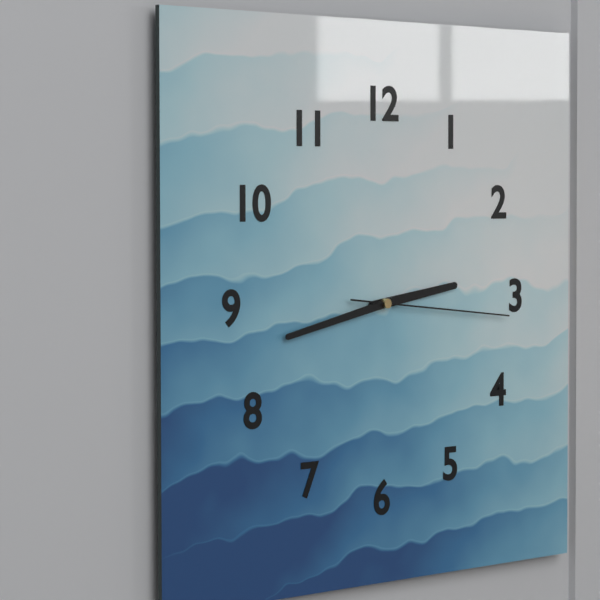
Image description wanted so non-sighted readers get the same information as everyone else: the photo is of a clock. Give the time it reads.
2:43:16
